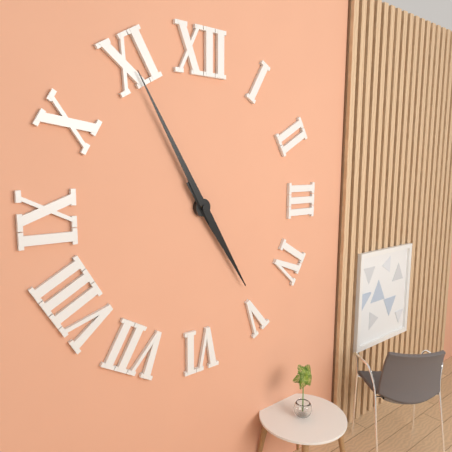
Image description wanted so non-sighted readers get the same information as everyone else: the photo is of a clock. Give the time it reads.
4:55
